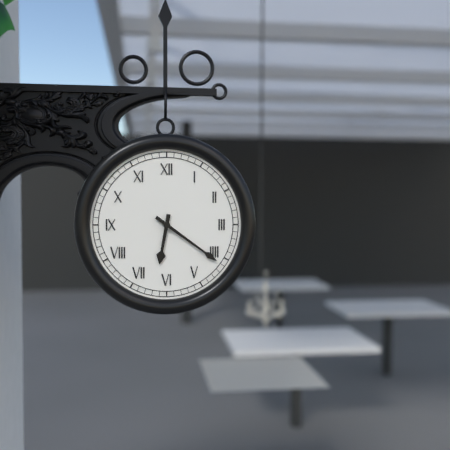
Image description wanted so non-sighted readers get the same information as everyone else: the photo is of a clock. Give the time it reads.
6:21
